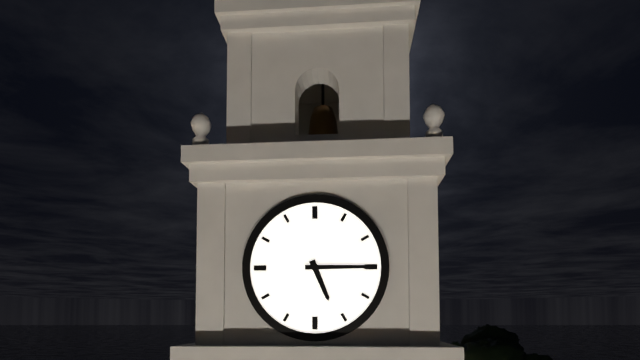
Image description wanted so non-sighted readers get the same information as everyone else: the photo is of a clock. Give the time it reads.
5:15
